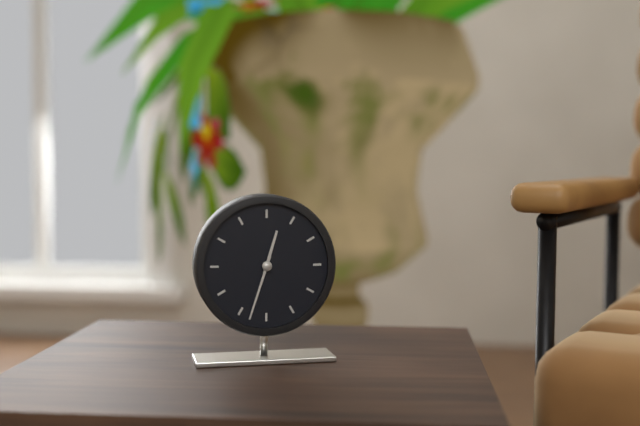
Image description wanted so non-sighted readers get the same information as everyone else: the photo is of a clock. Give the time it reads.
12:33
